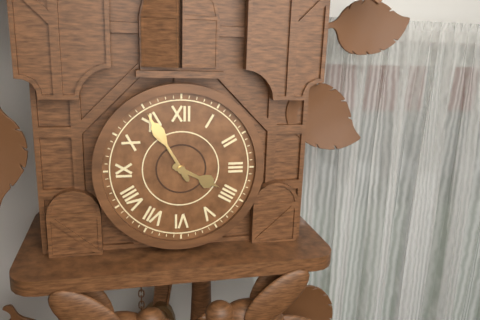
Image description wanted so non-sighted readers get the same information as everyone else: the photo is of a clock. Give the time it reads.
3:55
